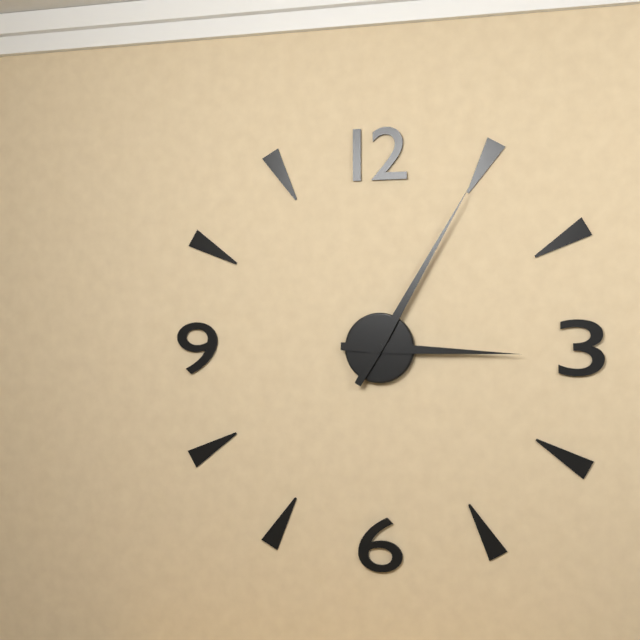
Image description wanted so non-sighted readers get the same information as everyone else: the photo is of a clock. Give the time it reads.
3:05
